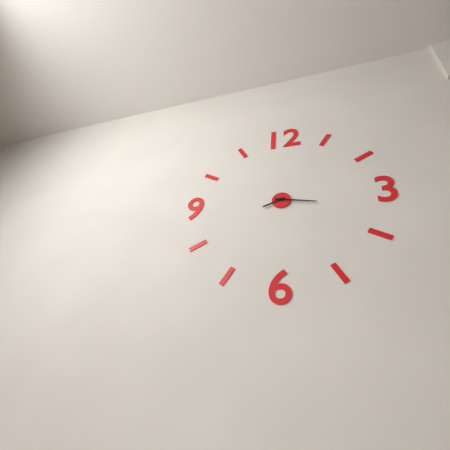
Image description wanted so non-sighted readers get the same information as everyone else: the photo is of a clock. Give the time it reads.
8:17
